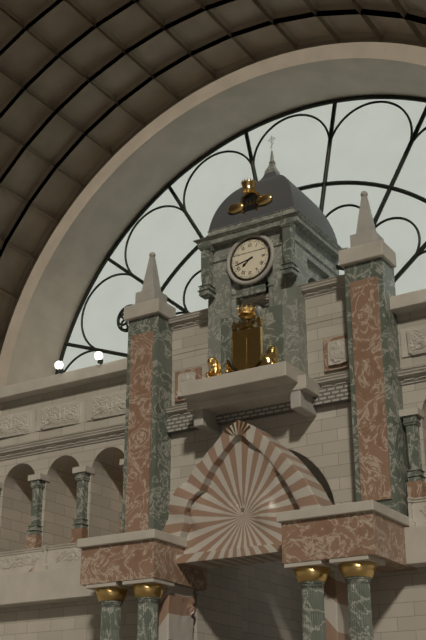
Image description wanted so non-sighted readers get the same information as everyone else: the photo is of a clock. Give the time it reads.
7:43
